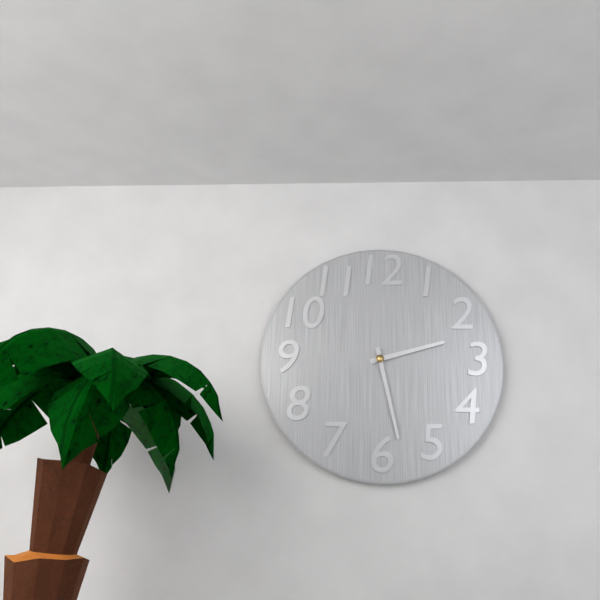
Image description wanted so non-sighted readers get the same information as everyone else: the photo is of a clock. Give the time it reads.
2:28
